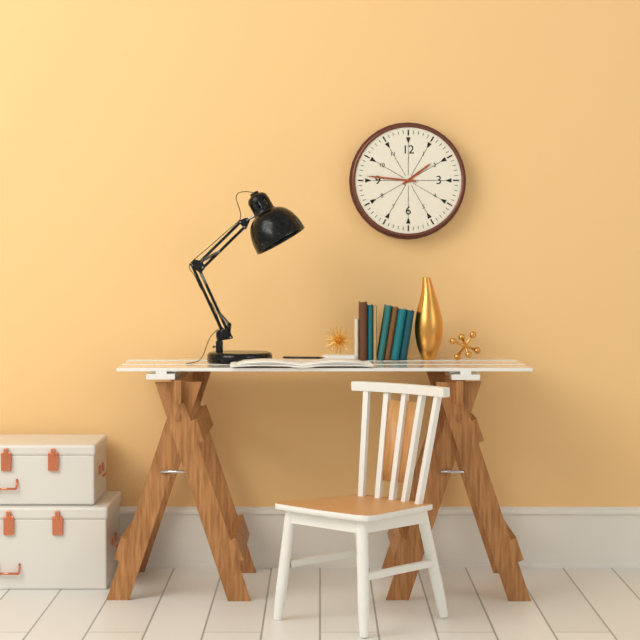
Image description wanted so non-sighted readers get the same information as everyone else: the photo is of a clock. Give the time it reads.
1:46
